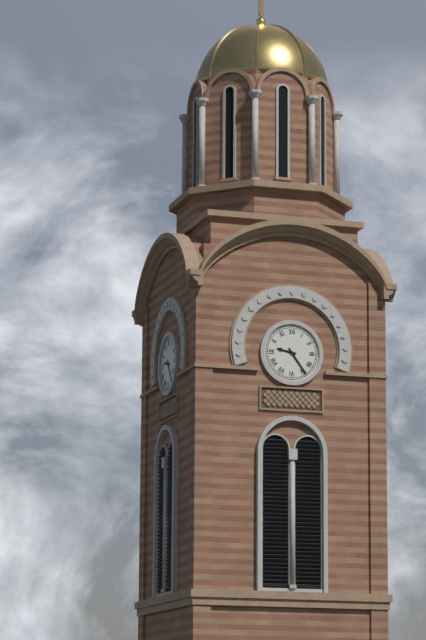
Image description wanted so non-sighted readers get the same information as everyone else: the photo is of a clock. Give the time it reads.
9:24
